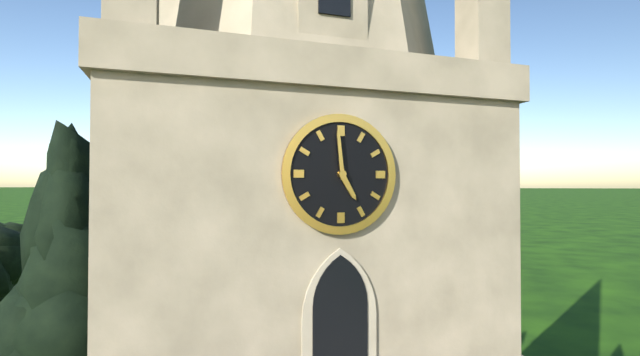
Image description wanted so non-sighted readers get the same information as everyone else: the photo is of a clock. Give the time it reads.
4:59
